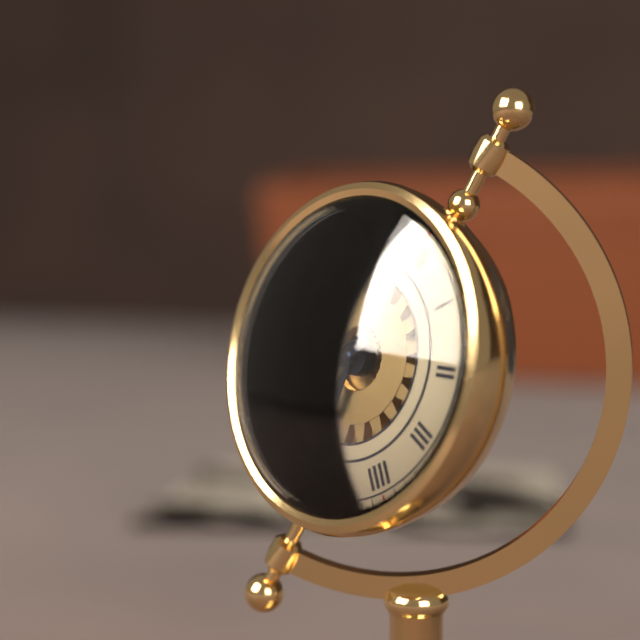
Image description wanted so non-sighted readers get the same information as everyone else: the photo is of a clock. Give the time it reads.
5:34
